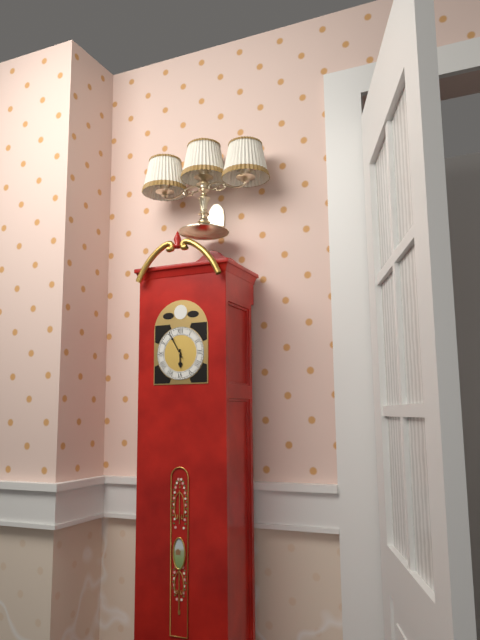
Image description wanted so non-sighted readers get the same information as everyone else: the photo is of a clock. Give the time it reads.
5:55
